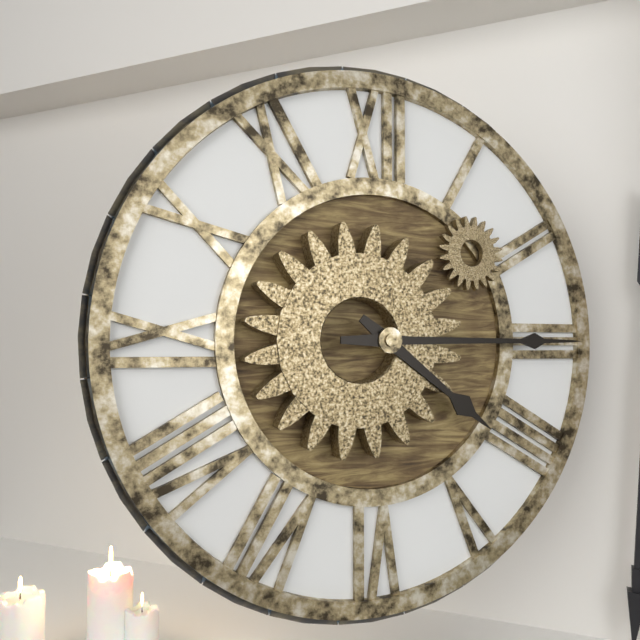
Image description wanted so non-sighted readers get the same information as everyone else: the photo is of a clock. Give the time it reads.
4:15
